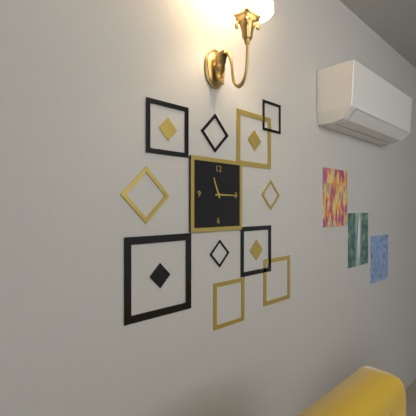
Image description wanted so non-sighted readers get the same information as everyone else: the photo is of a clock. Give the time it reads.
11:15
